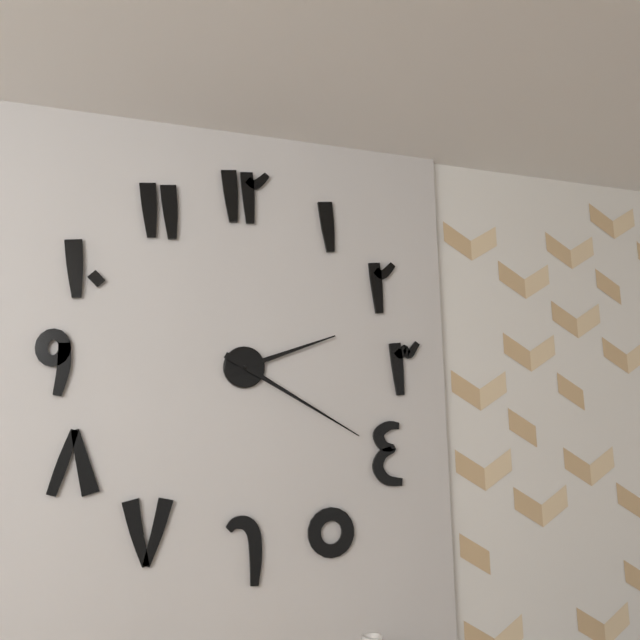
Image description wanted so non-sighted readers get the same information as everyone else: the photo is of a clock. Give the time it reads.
2:20
